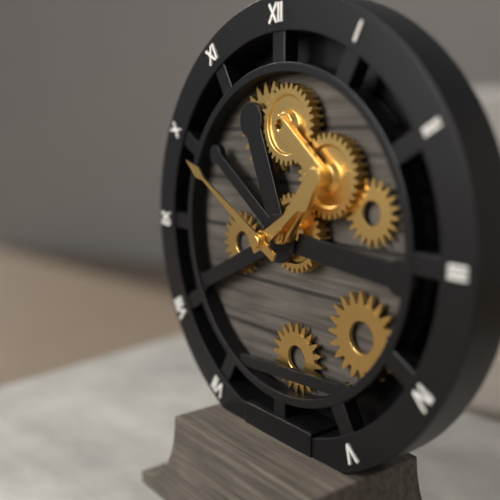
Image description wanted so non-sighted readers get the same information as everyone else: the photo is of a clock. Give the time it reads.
1:50
